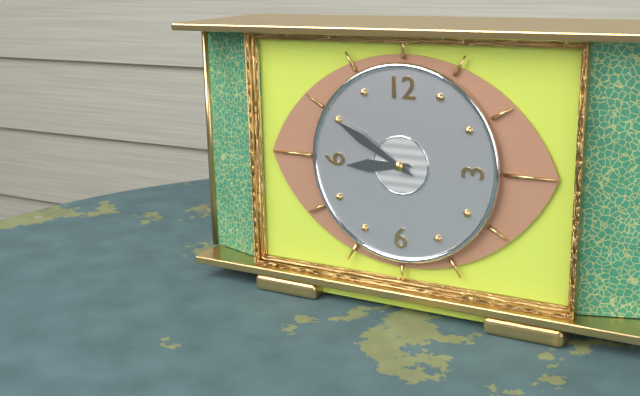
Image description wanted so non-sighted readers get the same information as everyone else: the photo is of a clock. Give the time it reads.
8:50
